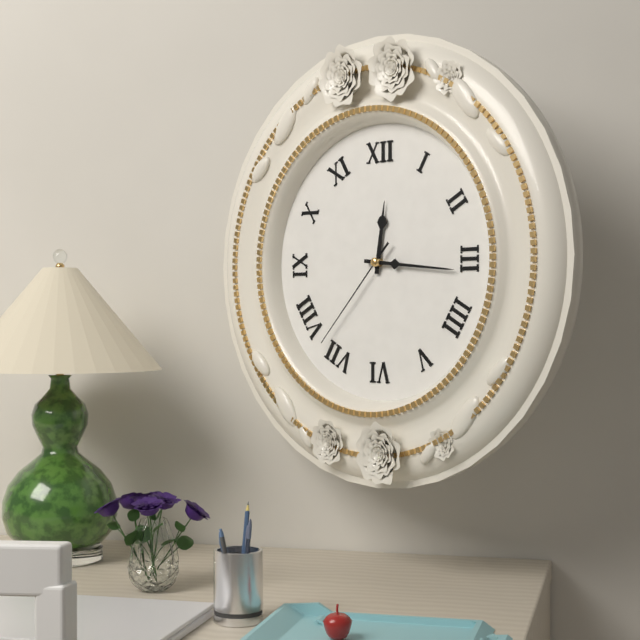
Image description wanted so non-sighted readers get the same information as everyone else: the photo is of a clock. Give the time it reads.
12:16:37
